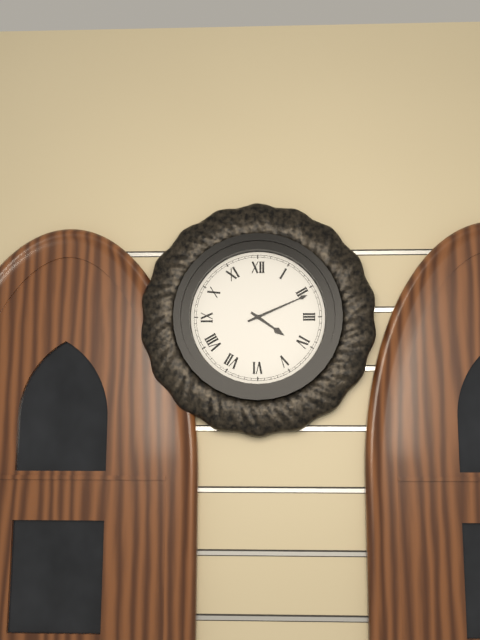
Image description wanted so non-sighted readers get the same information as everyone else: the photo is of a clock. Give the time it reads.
4:11
